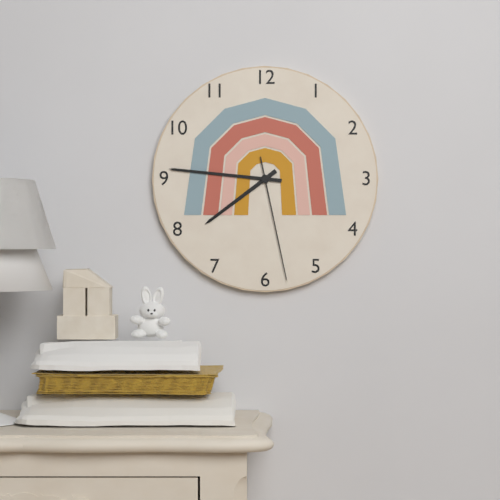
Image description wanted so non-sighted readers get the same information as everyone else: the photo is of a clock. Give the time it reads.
7:46:28
